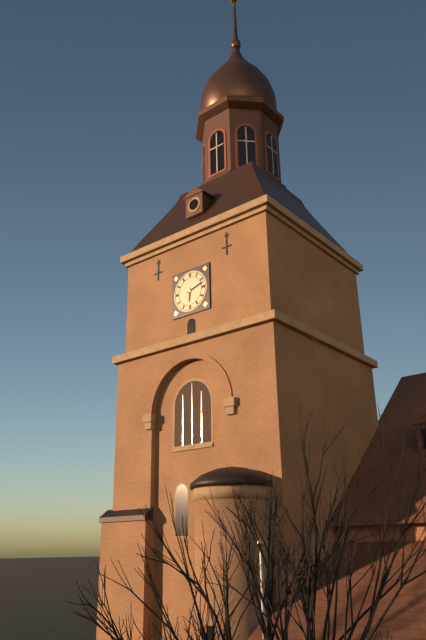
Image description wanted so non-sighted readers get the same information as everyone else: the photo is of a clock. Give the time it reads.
6:12
